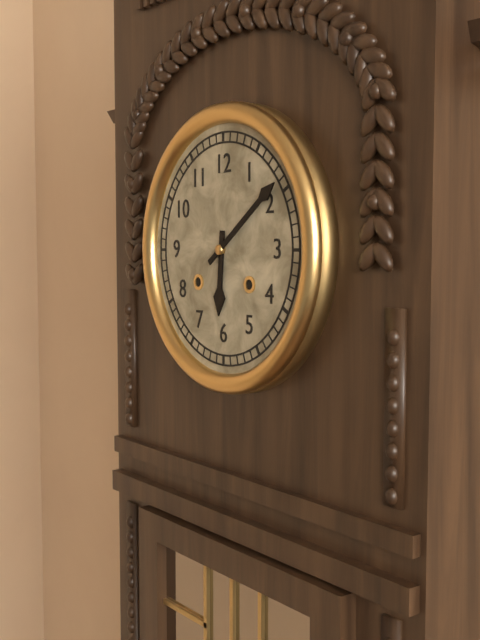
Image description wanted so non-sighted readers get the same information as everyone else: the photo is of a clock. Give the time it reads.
6:09
